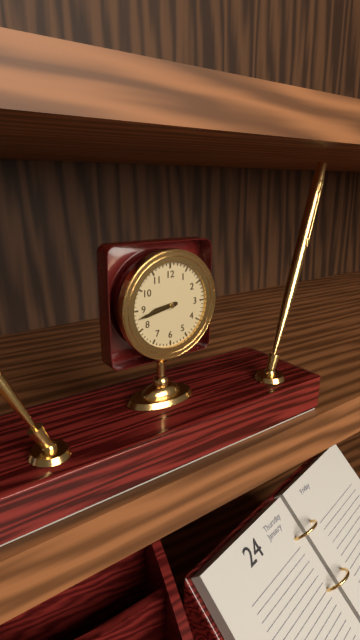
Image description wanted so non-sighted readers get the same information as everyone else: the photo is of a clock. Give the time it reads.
8:43
